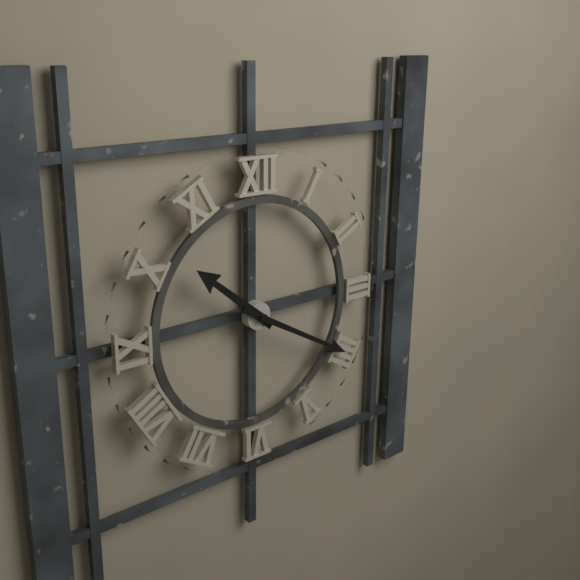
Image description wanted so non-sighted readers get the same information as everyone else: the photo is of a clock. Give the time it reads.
10:20
